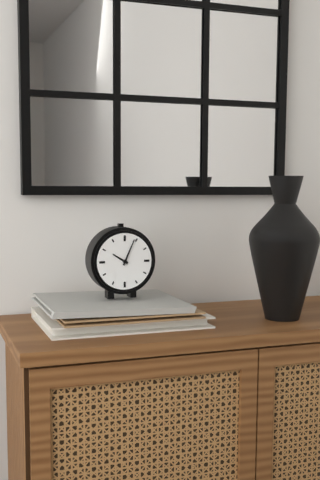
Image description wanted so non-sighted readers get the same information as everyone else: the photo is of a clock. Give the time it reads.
10:04
